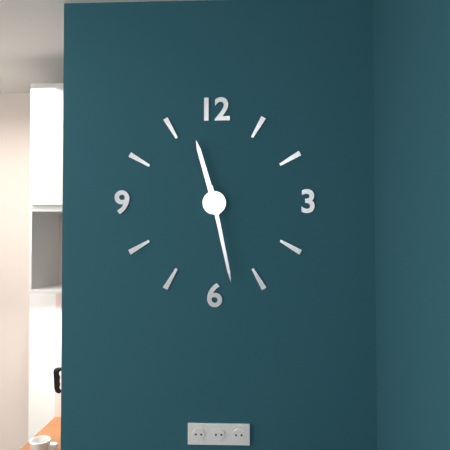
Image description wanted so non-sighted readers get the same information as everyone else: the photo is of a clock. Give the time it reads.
11:28
